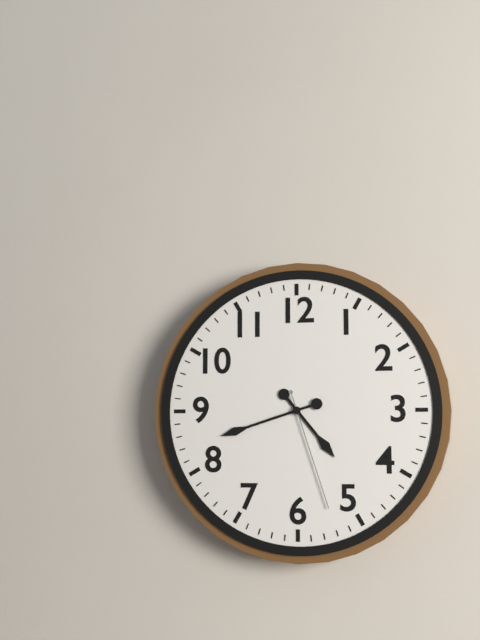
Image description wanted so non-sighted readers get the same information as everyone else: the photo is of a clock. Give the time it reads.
4:42:27
